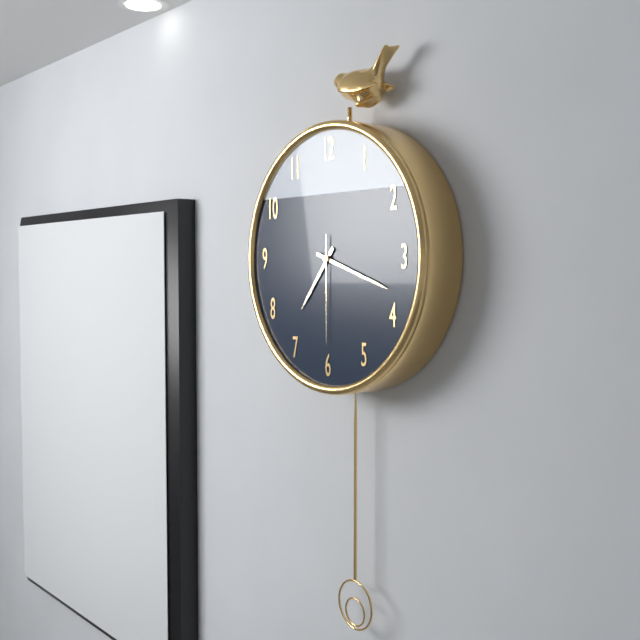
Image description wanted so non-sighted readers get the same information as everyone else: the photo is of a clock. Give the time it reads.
7:18:30
